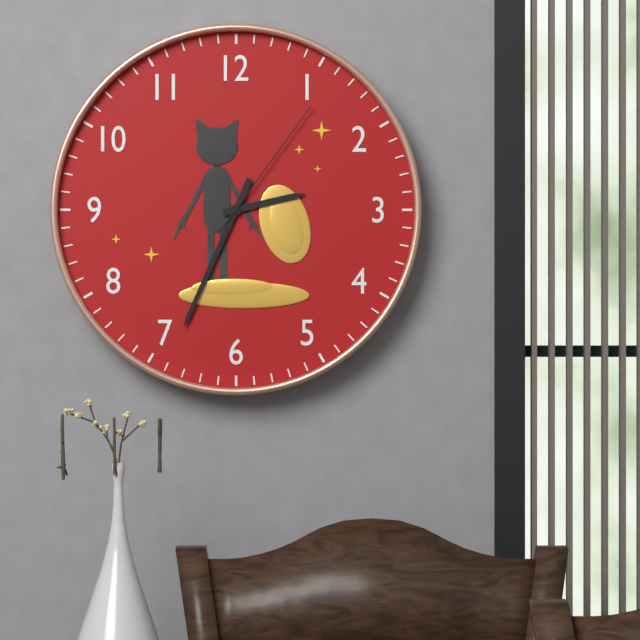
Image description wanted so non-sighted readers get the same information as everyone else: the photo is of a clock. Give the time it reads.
2:34:06
